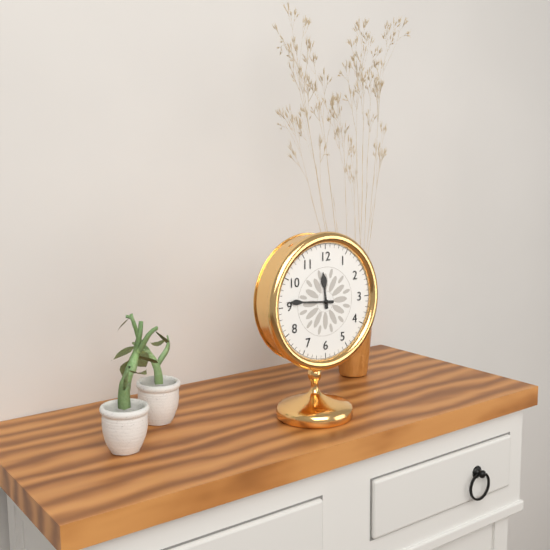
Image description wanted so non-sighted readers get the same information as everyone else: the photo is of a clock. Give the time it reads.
11:46
